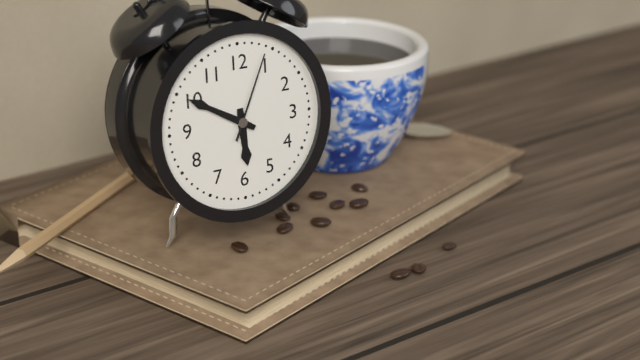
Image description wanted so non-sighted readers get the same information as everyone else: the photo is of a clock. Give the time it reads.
5:50:04
